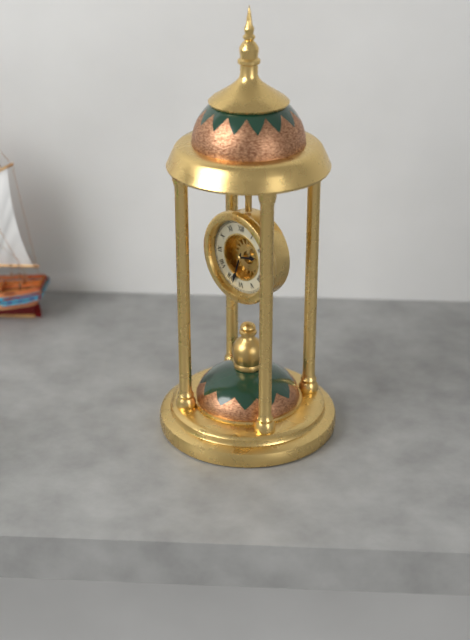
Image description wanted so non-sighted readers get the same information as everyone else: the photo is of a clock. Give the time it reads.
2:33
